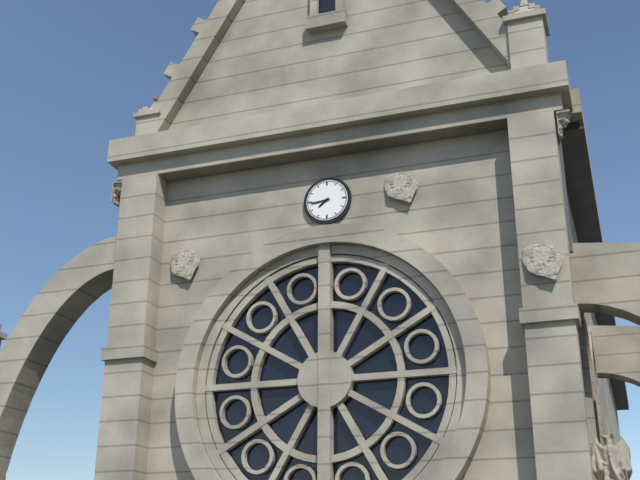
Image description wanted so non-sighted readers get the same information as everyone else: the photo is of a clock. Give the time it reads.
7:44
